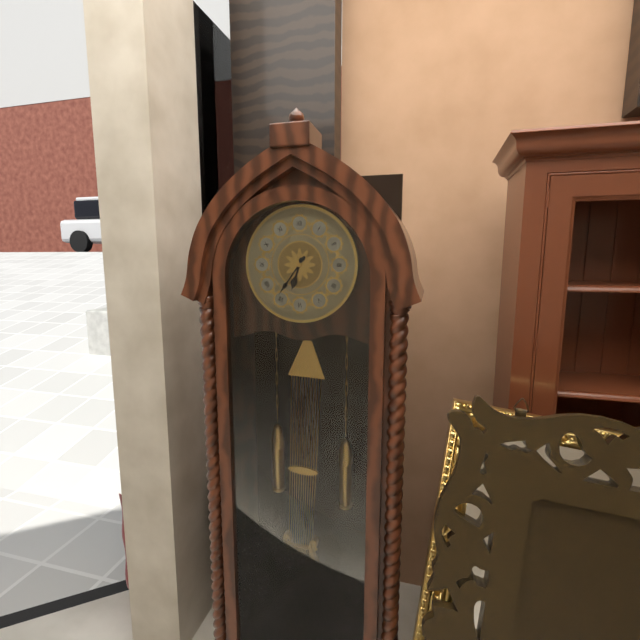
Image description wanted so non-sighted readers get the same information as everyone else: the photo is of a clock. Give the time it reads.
6:36
